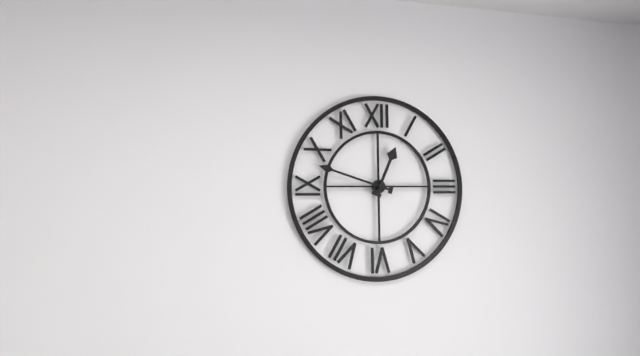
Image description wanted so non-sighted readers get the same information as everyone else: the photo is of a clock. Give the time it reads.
12:48
